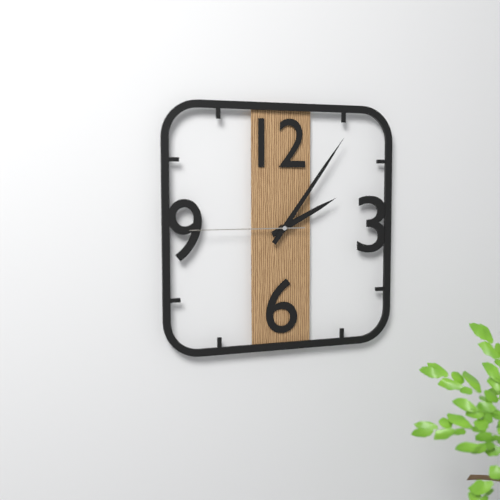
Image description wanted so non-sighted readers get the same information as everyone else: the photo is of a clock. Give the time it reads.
2:06:45
